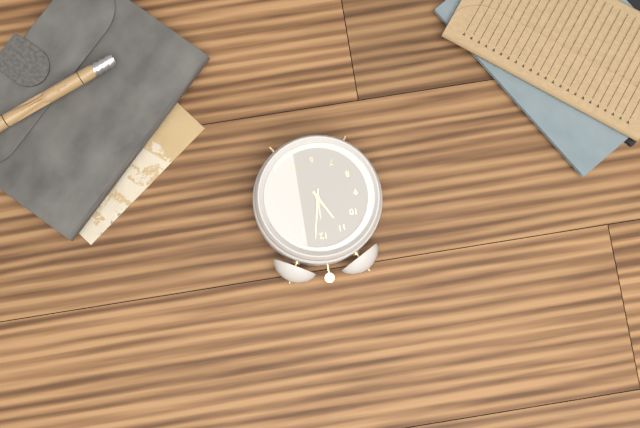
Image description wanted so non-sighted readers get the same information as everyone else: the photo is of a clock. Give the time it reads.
11:02
